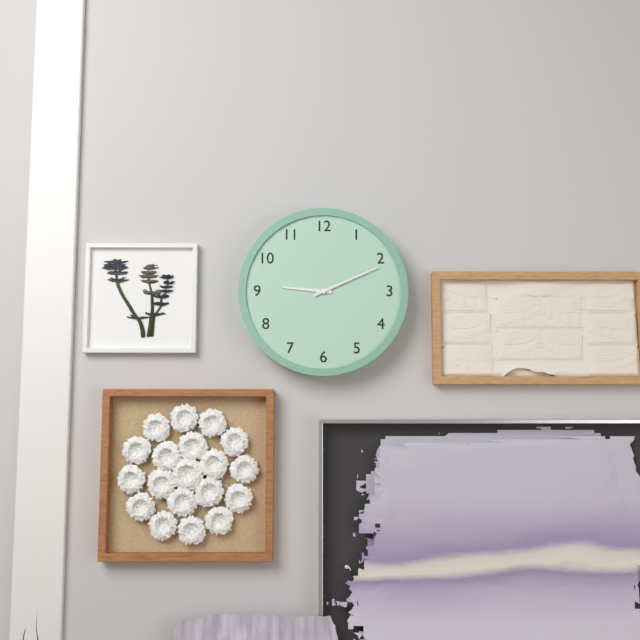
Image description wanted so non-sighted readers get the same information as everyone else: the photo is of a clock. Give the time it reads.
9:11
